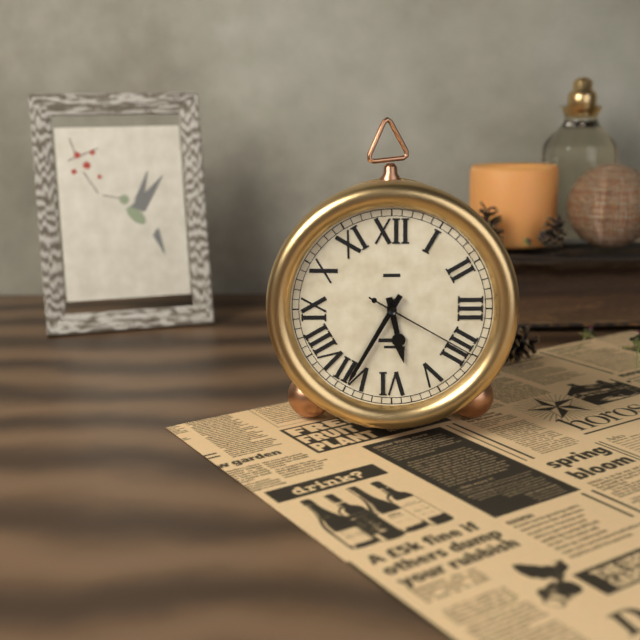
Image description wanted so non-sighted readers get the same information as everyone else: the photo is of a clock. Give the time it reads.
5:35:20
